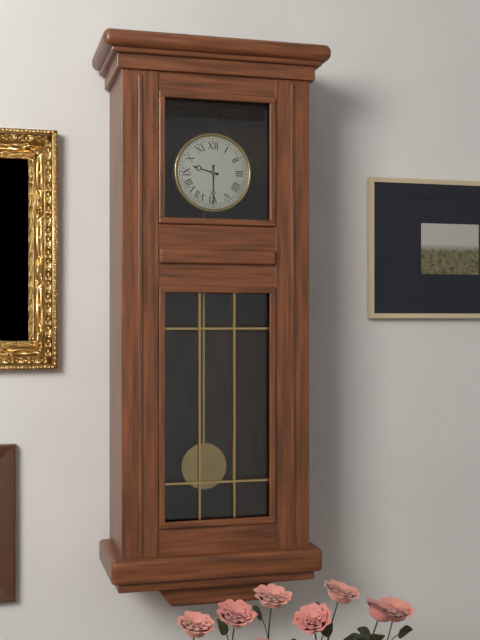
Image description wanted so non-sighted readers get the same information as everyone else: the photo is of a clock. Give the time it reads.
9:30
